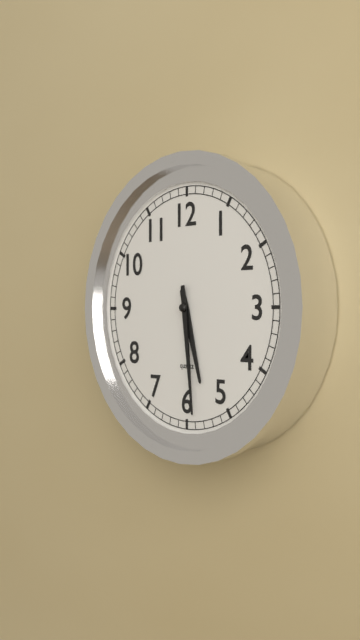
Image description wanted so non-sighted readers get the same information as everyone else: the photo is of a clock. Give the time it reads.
5:29
